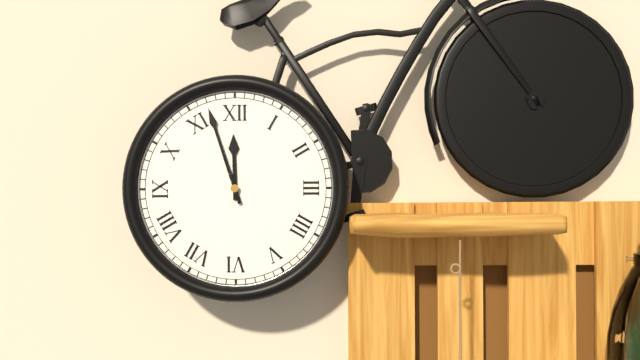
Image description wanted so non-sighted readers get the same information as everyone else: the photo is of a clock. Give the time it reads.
11:57
